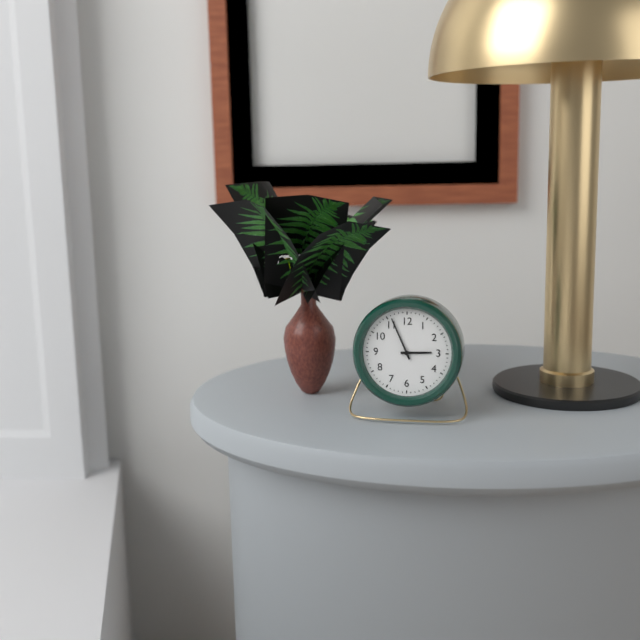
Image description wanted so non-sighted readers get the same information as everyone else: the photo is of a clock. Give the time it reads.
2:56
